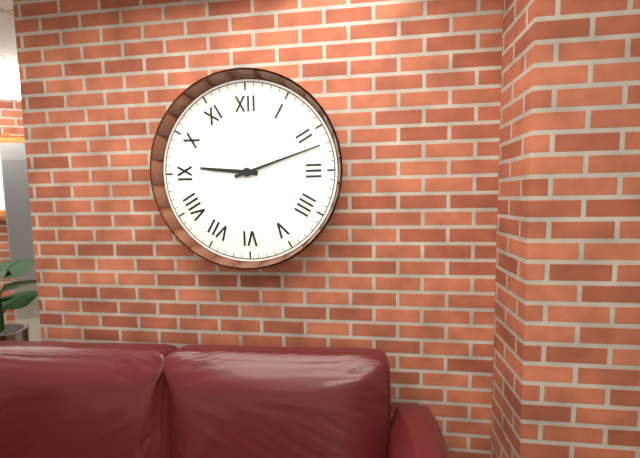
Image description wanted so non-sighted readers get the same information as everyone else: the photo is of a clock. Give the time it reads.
9:12
